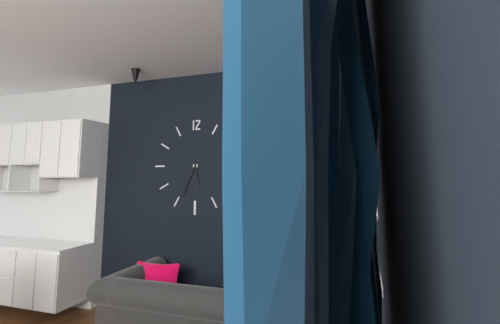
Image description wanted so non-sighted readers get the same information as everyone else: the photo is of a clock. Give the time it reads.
5:34
